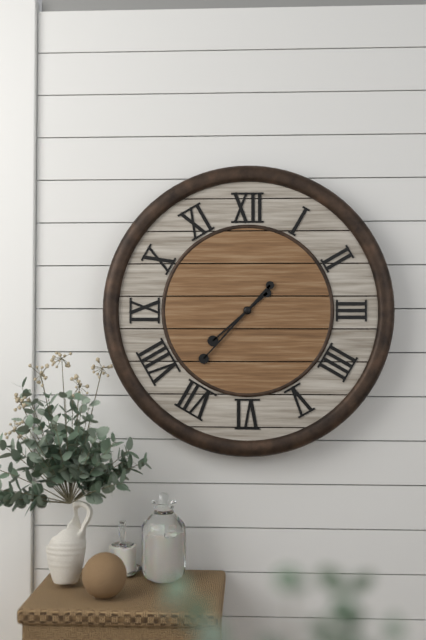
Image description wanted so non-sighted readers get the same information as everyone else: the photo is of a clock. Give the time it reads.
7:37
